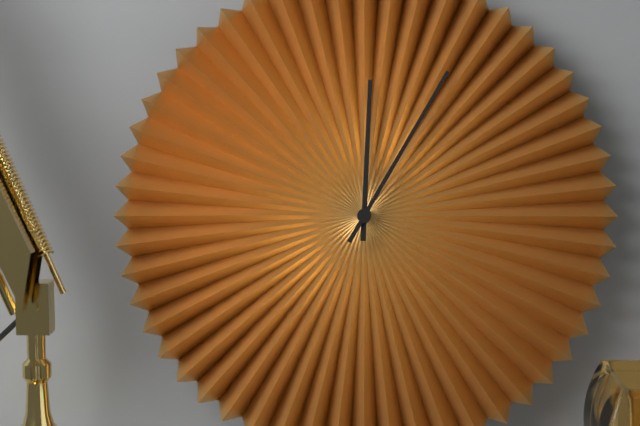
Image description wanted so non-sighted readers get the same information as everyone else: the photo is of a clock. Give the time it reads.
12:05
